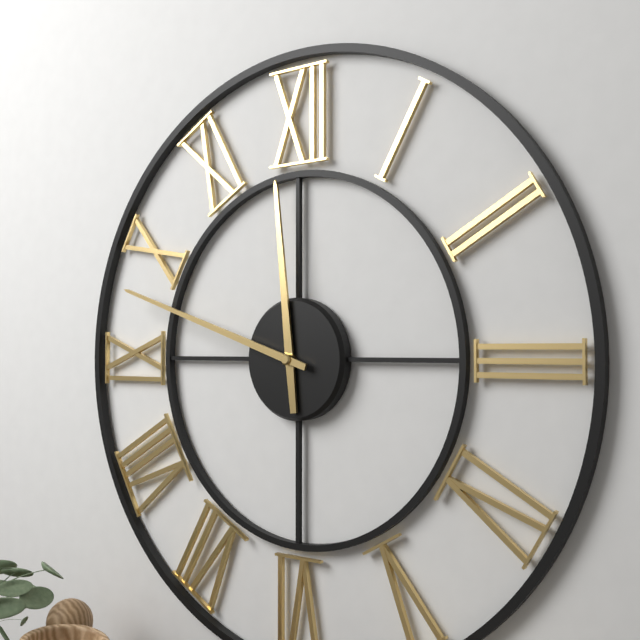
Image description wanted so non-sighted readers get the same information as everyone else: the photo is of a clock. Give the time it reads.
11:48
